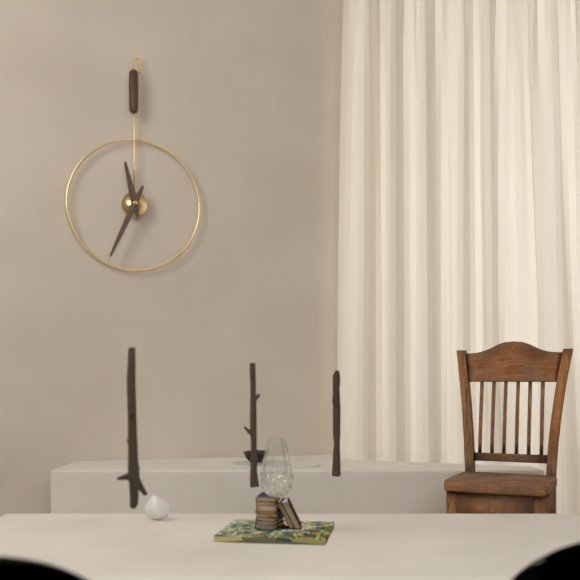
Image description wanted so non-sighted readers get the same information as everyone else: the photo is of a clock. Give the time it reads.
11:34
